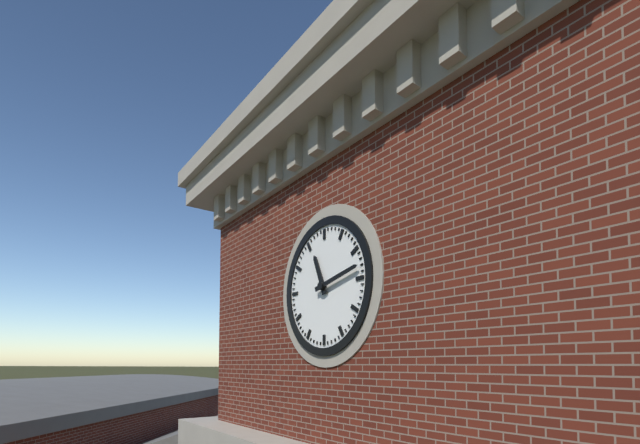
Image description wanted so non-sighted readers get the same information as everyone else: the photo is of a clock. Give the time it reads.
11:13
